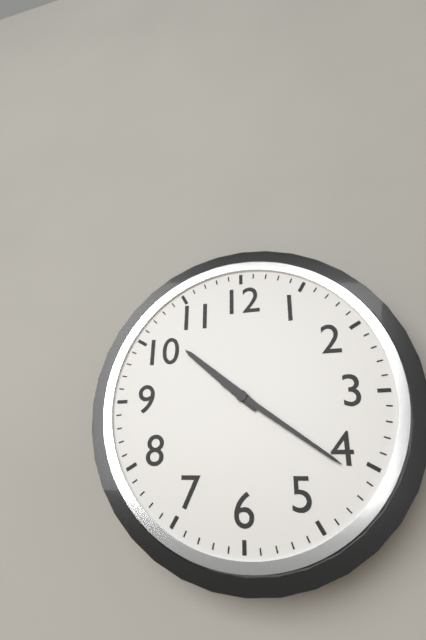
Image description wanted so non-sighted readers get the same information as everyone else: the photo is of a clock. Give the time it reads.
10:21
